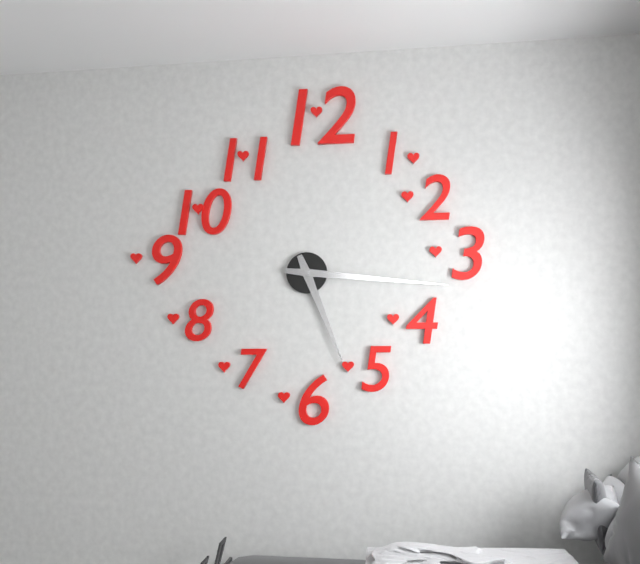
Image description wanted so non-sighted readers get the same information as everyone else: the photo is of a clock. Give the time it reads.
5:16
